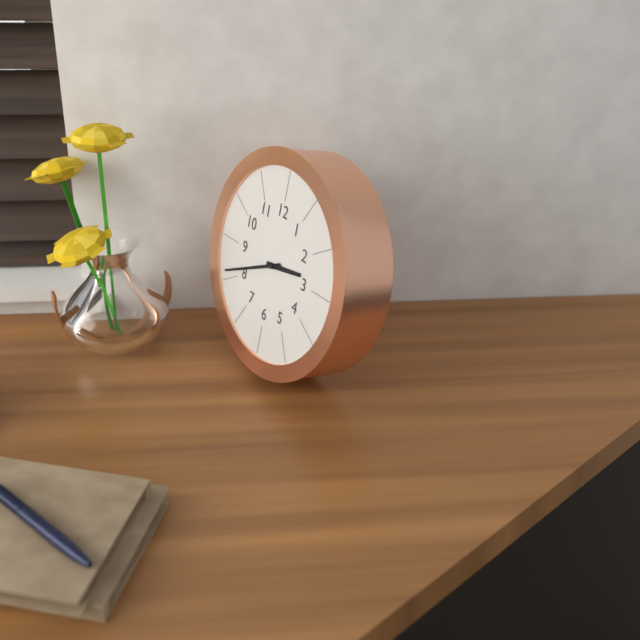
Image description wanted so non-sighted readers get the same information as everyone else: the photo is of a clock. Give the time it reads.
2:41
